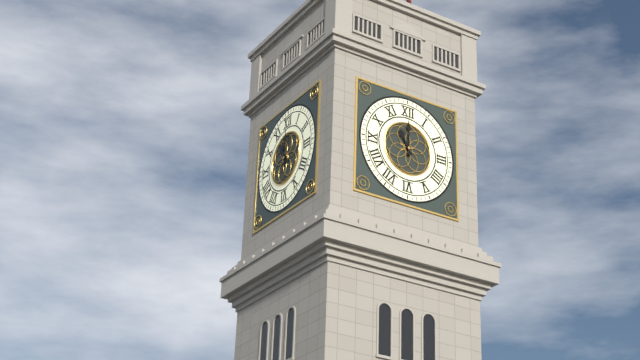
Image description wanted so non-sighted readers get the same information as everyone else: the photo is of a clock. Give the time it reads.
11:00
